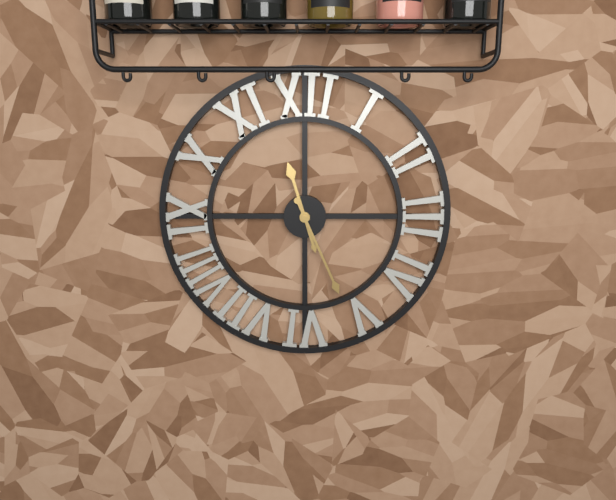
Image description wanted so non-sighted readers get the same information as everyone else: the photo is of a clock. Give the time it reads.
11:26
